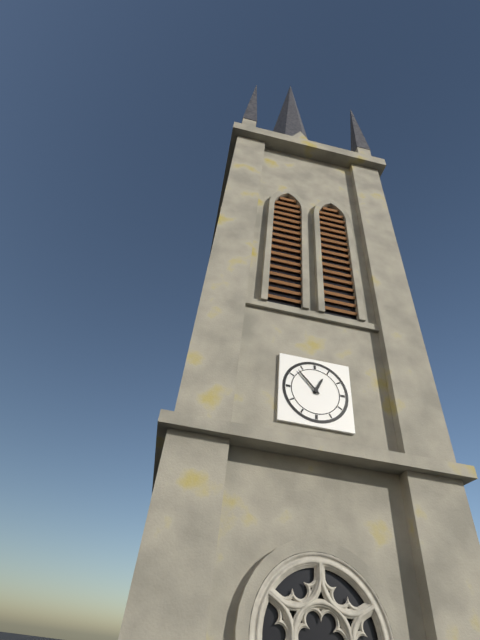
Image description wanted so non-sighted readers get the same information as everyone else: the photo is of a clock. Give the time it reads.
12:53
